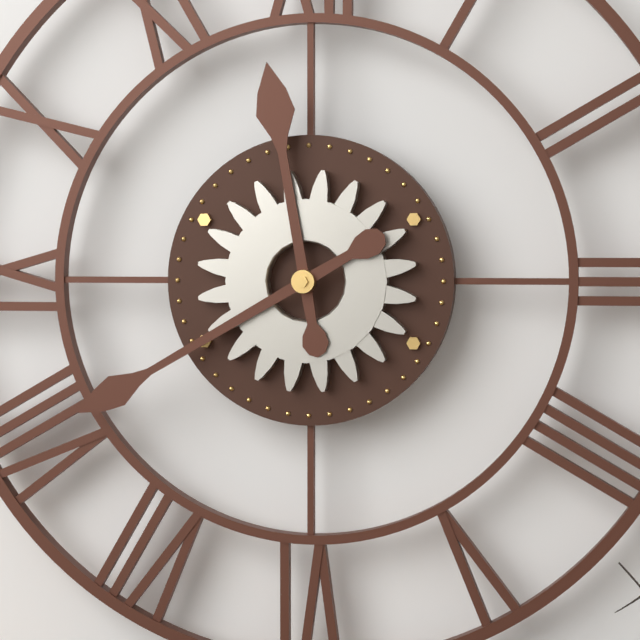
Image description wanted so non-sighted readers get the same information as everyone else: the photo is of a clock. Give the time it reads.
11:40
